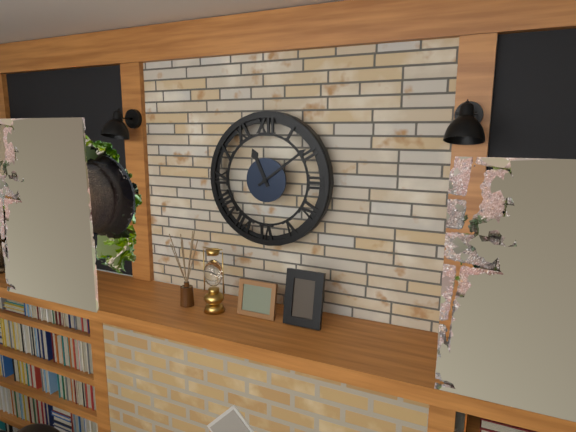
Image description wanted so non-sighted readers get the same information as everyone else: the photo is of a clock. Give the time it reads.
11:09
